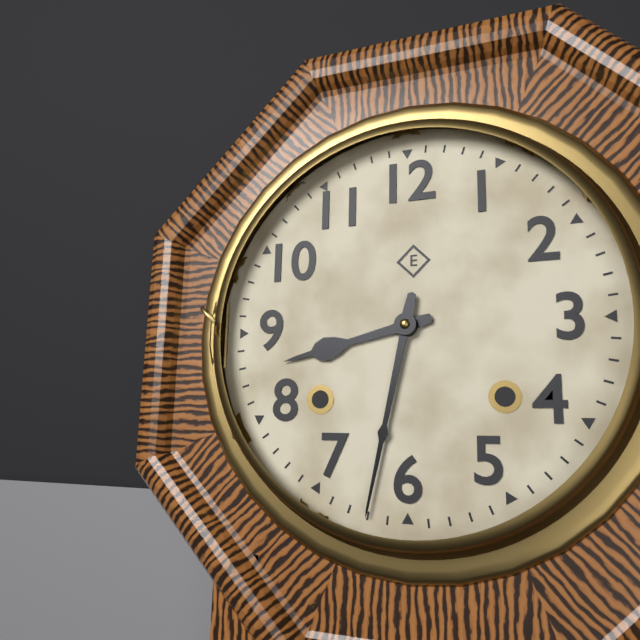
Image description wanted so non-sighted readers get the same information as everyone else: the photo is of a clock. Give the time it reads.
8:32
